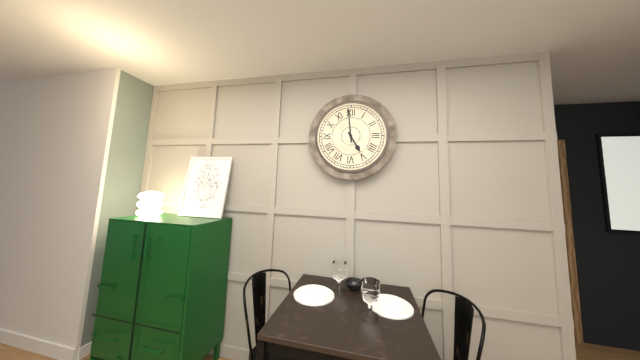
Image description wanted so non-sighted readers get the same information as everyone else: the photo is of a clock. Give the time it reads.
4:59
